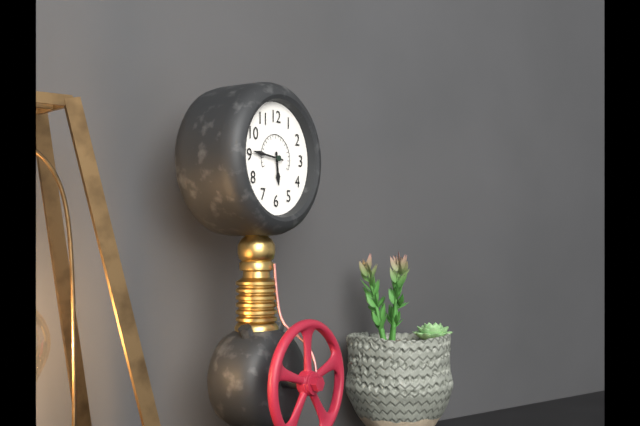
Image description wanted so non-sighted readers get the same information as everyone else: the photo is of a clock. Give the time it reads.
5:46
